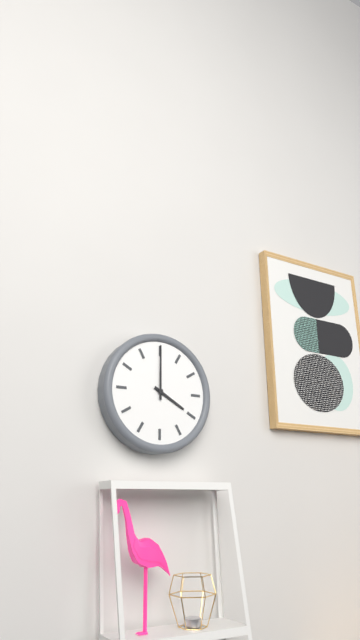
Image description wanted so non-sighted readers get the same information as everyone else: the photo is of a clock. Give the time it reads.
4:00
